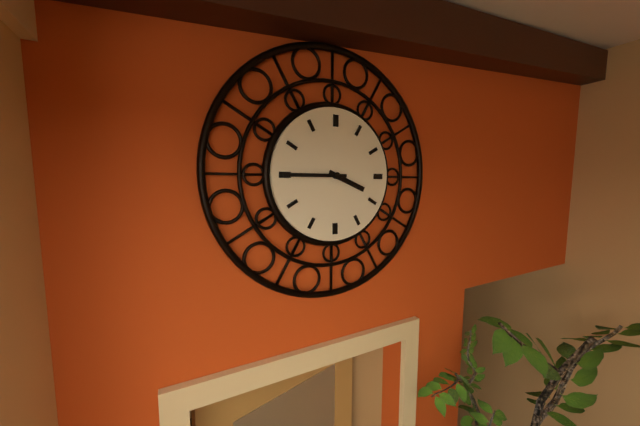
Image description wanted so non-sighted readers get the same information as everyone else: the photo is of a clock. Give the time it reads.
3:45
